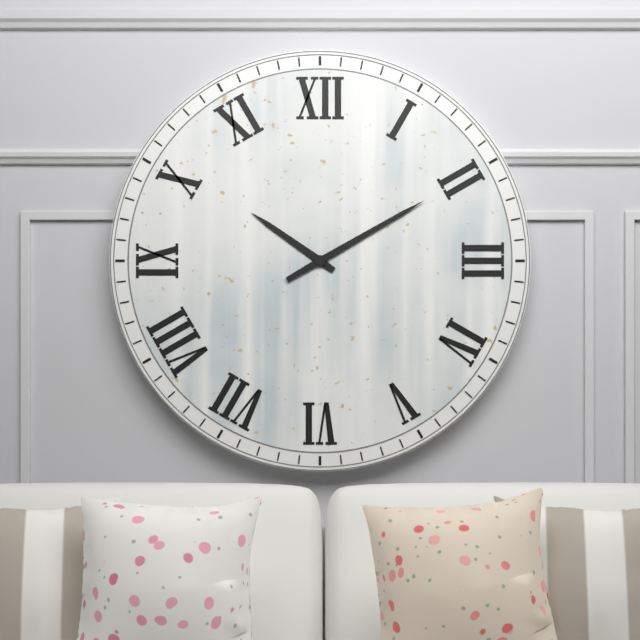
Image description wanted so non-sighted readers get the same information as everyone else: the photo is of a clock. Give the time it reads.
10:10
